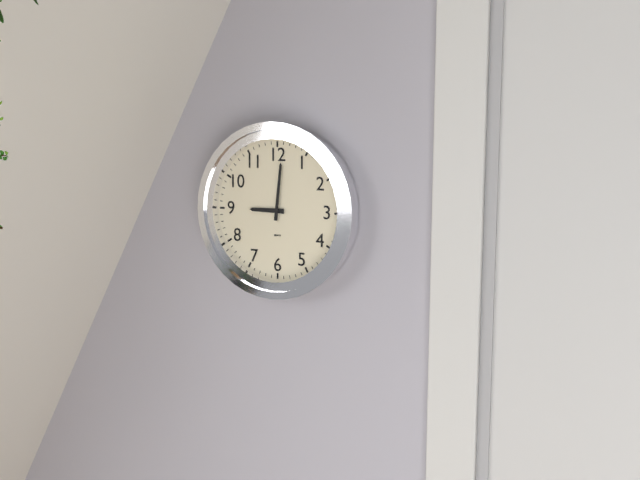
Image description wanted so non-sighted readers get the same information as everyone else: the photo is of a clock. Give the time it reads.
9:01
